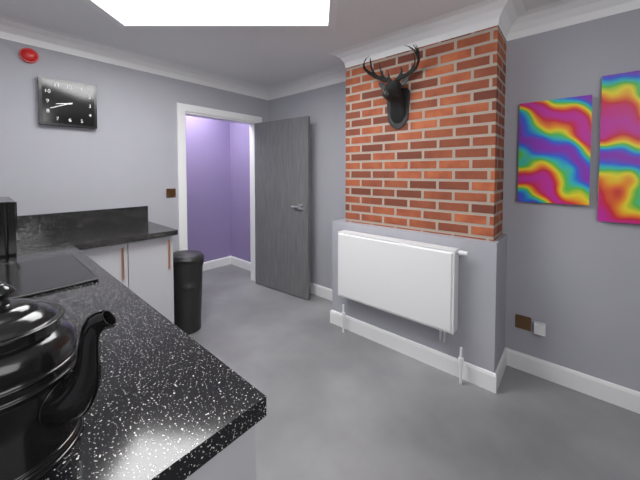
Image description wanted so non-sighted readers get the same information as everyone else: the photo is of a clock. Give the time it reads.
8:41
